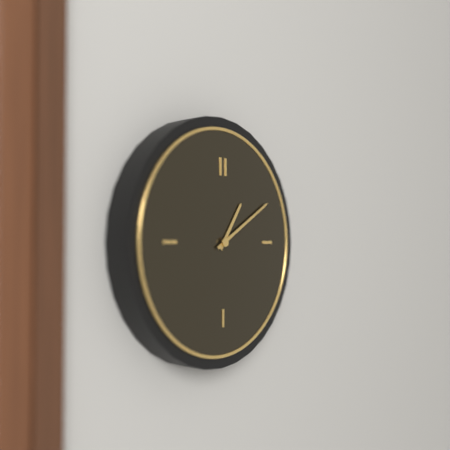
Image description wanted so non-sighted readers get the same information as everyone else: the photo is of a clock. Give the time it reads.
1:10
